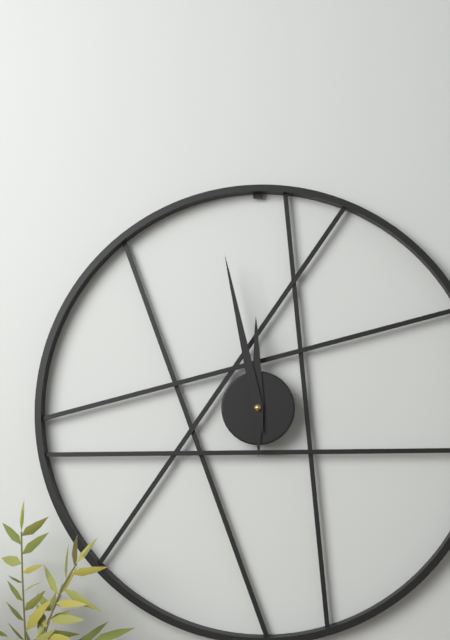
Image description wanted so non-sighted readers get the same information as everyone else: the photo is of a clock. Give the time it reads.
11:58
